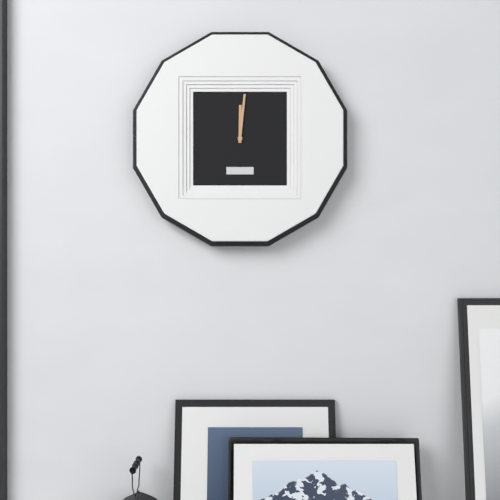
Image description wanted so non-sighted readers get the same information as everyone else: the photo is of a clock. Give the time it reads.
12:01
